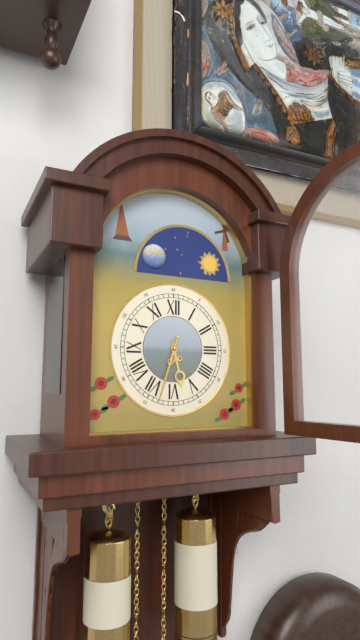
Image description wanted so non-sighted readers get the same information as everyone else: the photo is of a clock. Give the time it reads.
5:33
